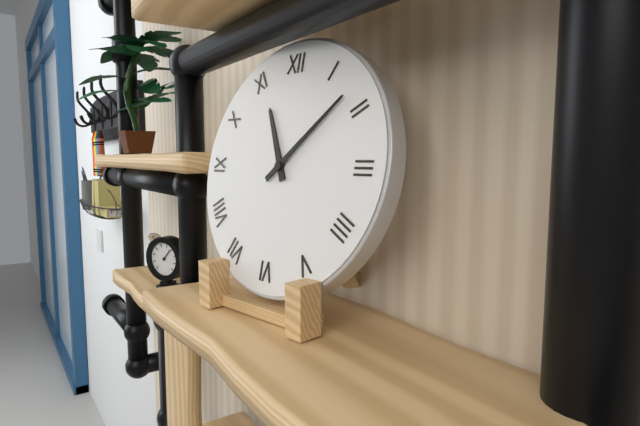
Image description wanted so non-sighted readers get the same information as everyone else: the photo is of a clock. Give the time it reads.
11:08
